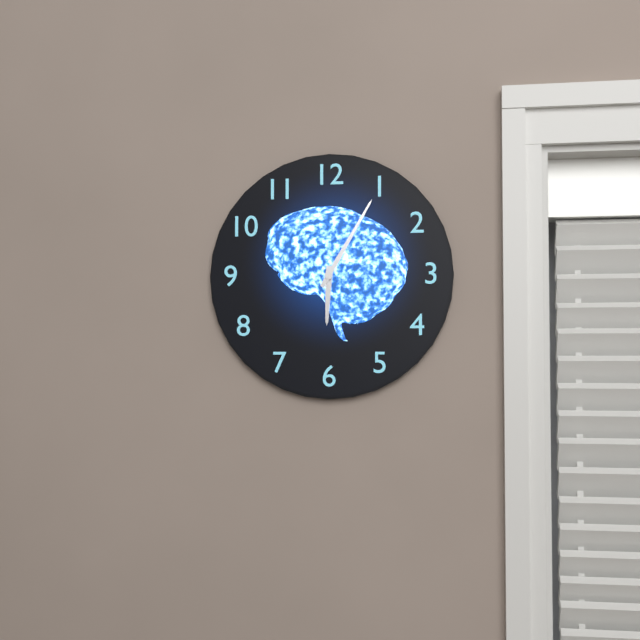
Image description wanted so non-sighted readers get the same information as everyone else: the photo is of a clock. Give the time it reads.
6:05
